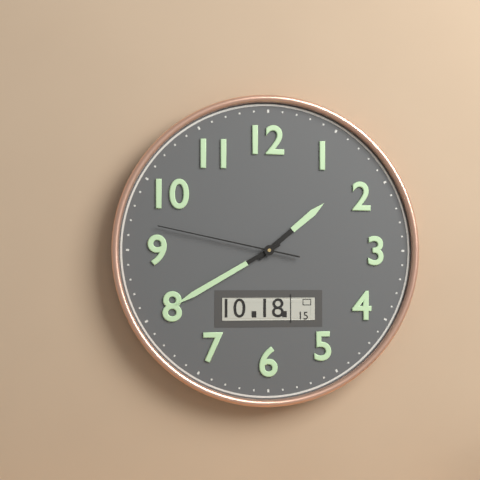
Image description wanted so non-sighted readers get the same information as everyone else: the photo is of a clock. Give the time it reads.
1:40:47
